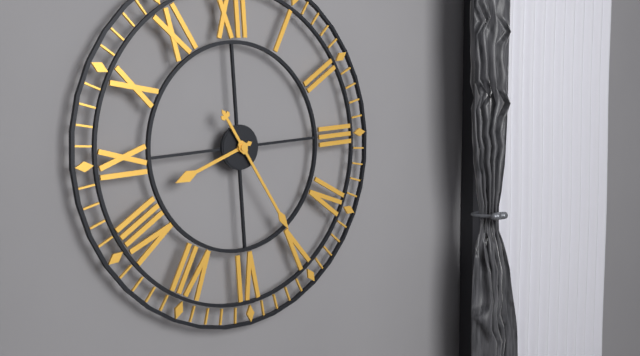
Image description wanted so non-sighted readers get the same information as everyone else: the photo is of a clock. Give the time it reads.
8:25
